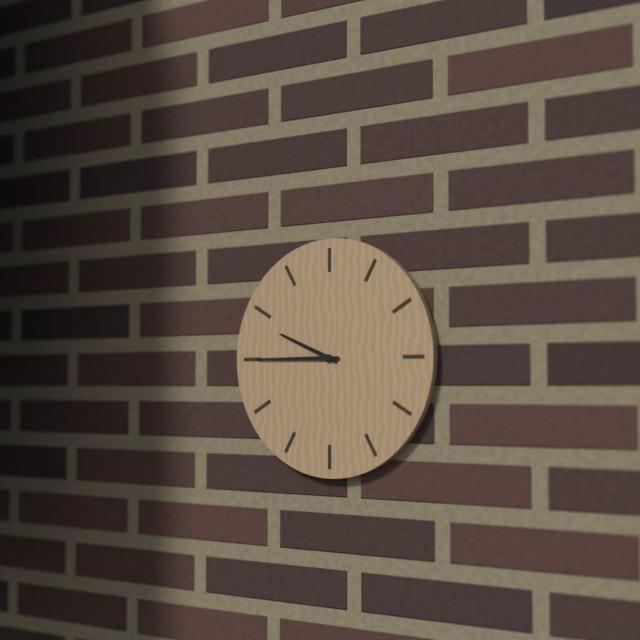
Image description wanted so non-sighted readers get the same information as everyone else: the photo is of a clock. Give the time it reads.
9:45
